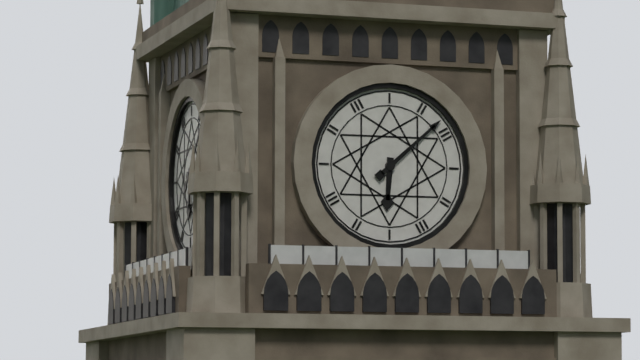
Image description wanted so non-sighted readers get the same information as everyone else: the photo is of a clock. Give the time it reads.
6:08
